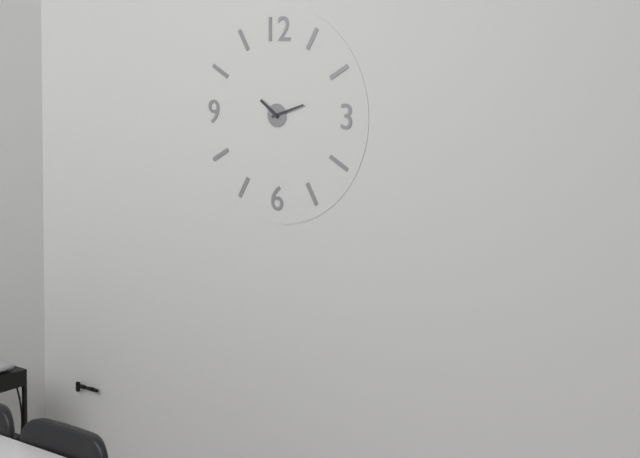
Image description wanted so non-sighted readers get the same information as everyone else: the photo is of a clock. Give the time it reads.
10:12
